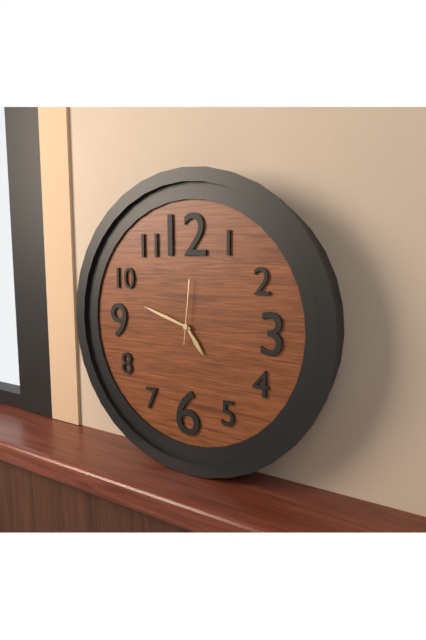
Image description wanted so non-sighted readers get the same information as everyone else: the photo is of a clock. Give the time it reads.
4:48:01
